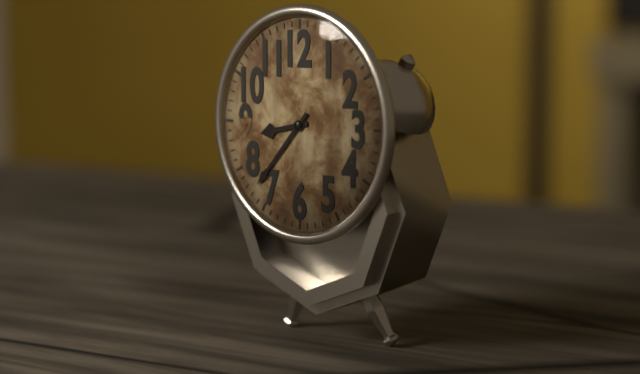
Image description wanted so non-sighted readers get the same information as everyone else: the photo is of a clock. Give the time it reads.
8:37
